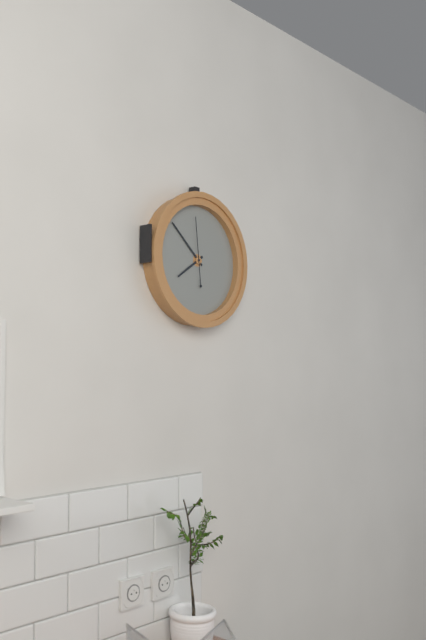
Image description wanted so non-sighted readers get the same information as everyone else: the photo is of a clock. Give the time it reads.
7:52:59
